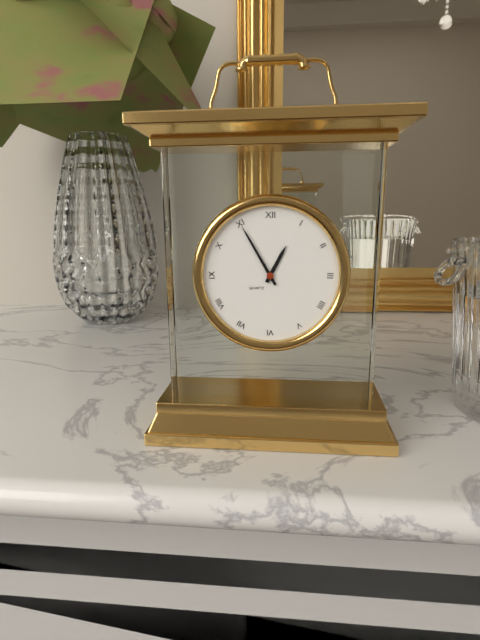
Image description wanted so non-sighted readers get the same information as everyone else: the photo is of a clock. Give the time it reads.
12:55
